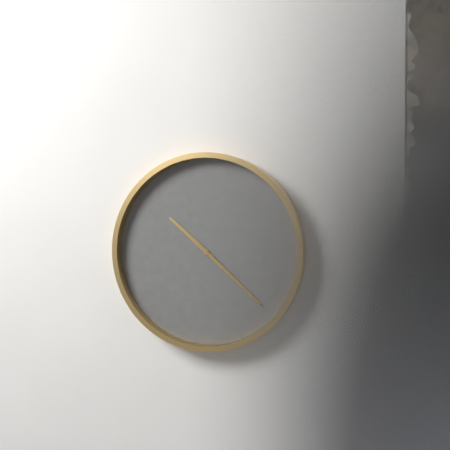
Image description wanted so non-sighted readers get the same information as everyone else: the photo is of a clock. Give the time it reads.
10:22
